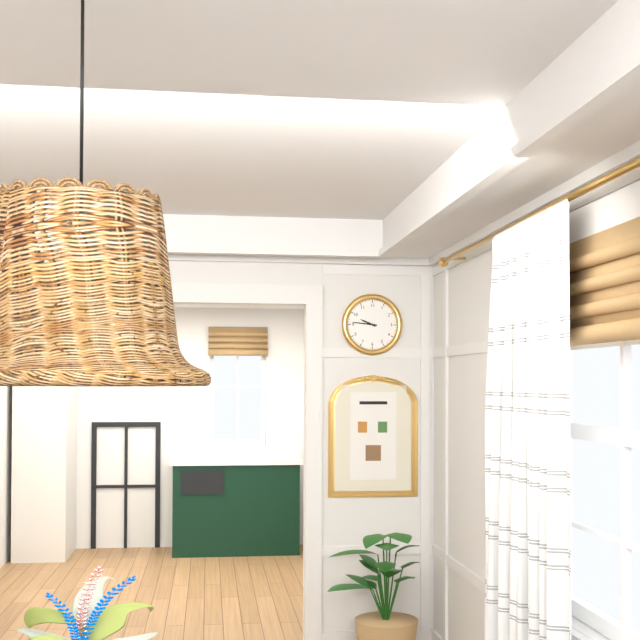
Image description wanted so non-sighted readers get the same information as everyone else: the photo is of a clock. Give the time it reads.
9:46
